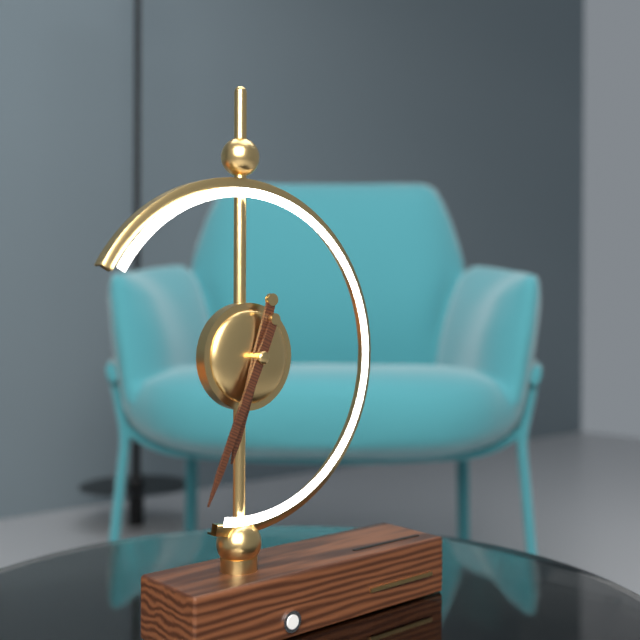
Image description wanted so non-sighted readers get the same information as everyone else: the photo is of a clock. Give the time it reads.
6:34
